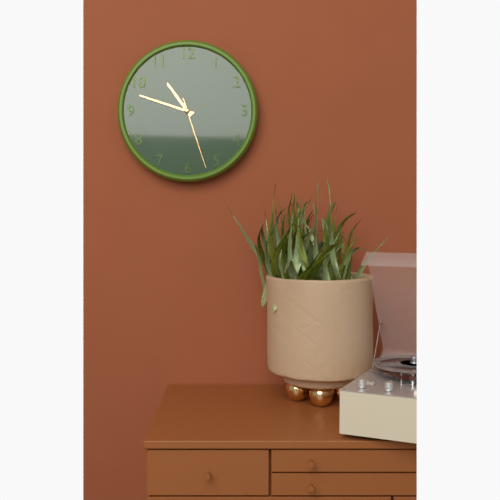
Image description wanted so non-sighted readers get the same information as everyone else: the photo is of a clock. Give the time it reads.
10:48:27
